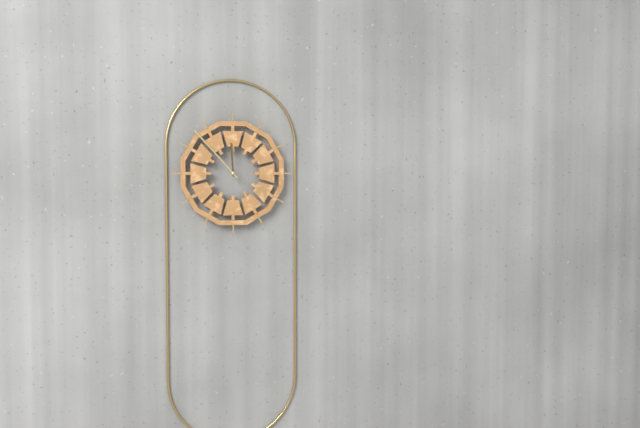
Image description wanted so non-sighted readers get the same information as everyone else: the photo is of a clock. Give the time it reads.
11:53
